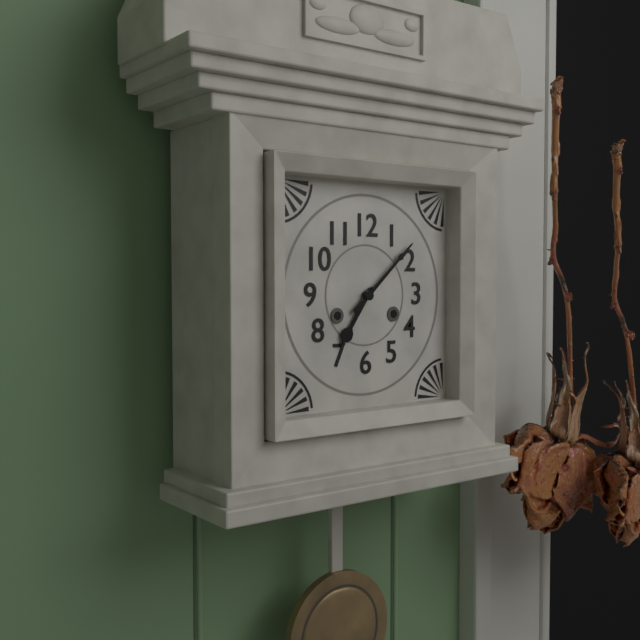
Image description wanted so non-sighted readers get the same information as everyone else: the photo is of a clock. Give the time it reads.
7:08
